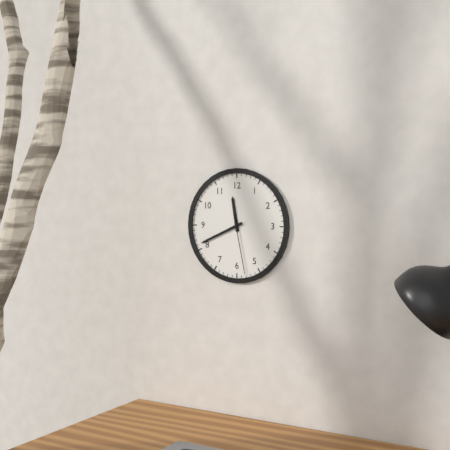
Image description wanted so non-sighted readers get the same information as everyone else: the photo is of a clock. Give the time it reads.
11:41:28
